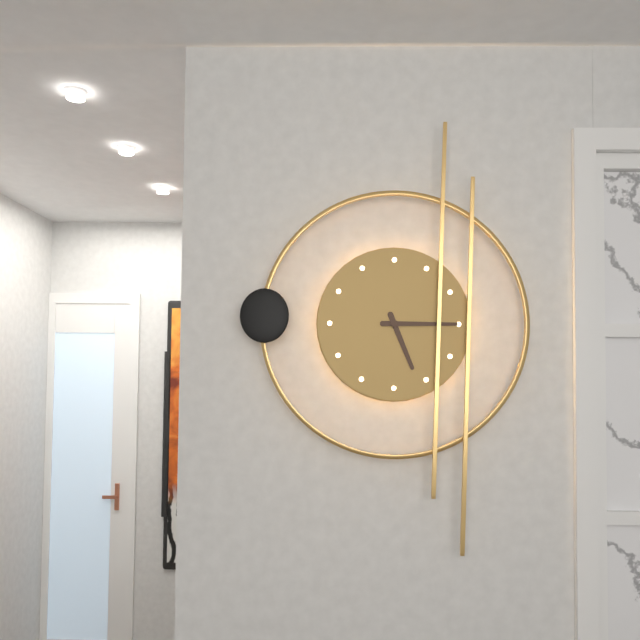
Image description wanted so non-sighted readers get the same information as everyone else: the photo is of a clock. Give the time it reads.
5:15
